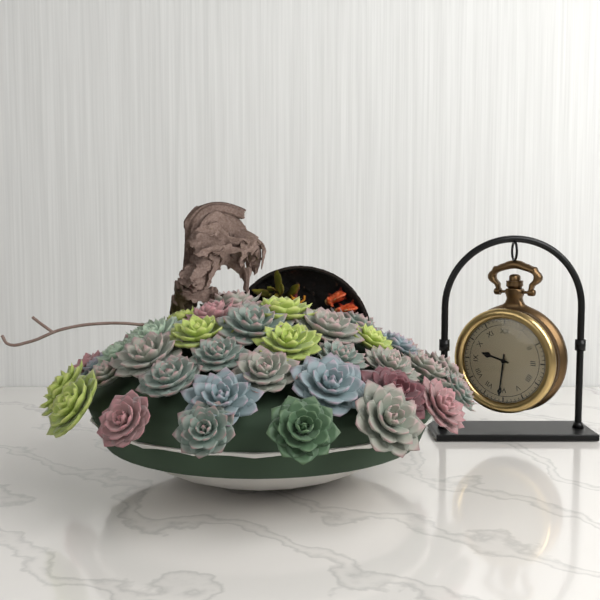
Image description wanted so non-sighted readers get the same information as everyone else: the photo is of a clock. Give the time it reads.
9:31
